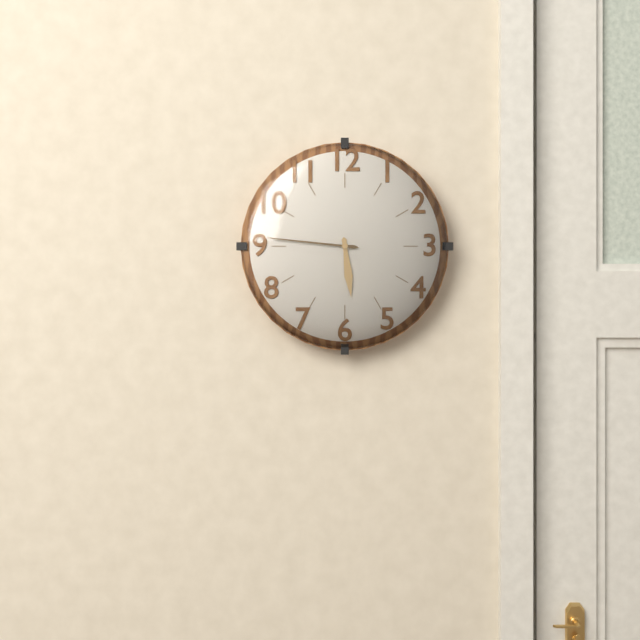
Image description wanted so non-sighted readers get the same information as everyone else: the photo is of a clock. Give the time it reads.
5:46
